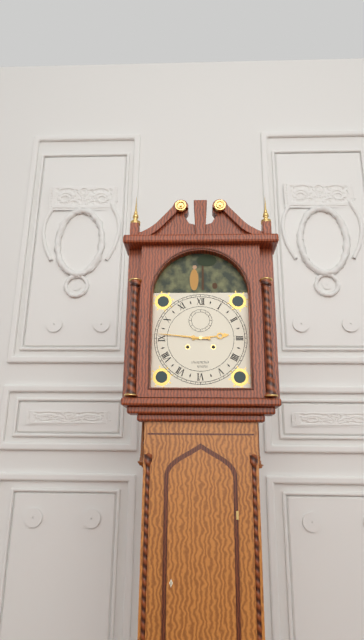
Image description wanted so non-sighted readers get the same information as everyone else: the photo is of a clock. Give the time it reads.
2:46
